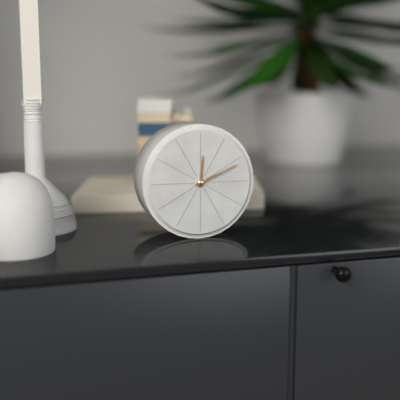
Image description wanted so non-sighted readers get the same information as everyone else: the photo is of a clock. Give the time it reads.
12:11
